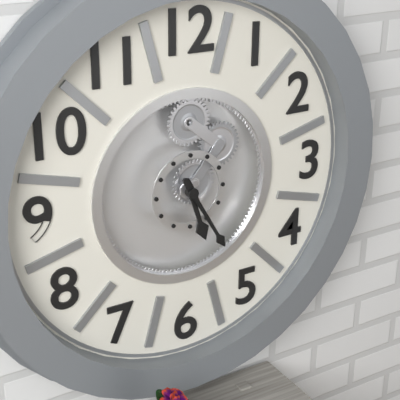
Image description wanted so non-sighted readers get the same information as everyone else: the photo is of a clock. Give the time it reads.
5:25
